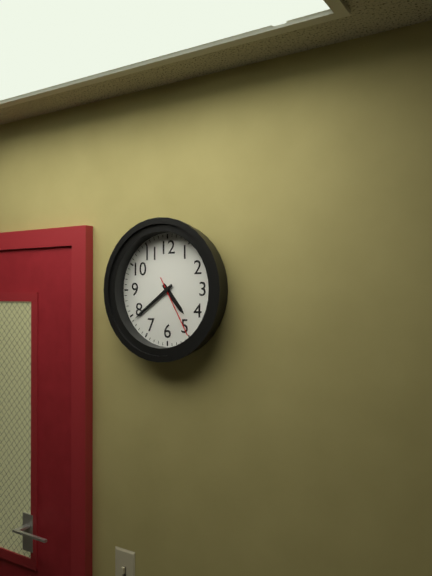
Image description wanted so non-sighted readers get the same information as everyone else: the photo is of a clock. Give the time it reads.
4:39:25
